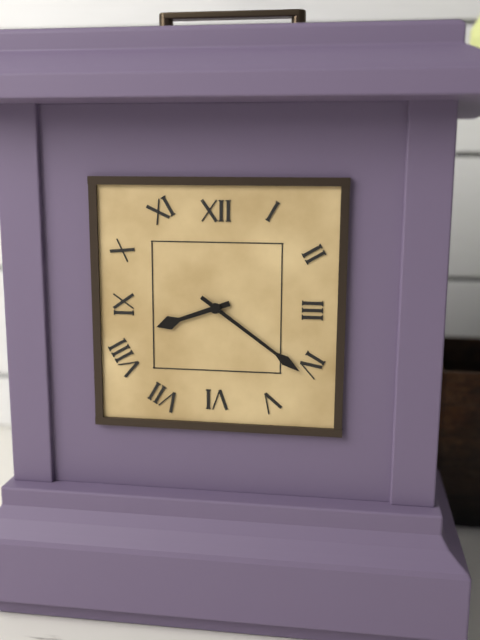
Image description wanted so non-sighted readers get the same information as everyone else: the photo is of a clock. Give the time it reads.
8:21
